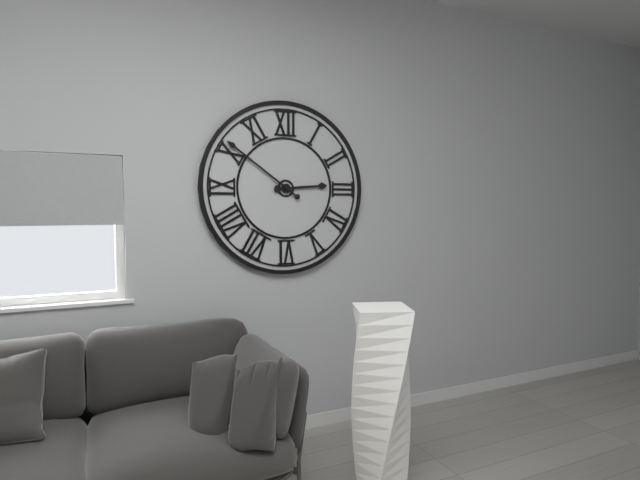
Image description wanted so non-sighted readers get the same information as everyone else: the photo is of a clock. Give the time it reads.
2:51
